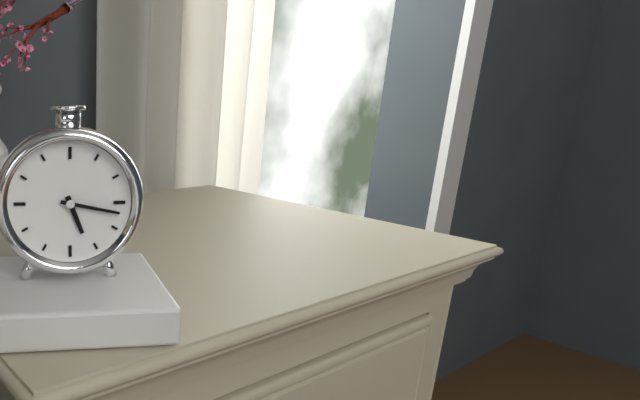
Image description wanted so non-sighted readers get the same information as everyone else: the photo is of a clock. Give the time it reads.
5:17
